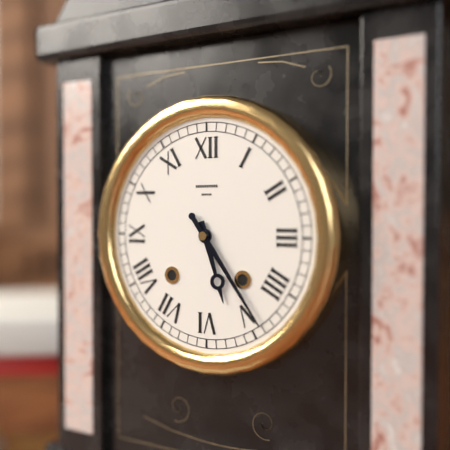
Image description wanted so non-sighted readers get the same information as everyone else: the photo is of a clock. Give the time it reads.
5:24
